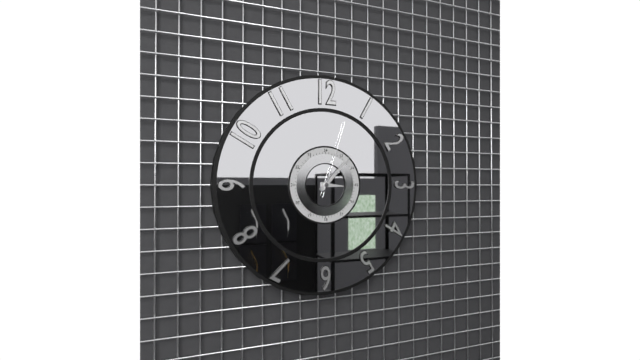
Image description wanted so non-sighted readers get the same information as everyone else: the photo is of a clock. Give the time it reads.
3:07:03
